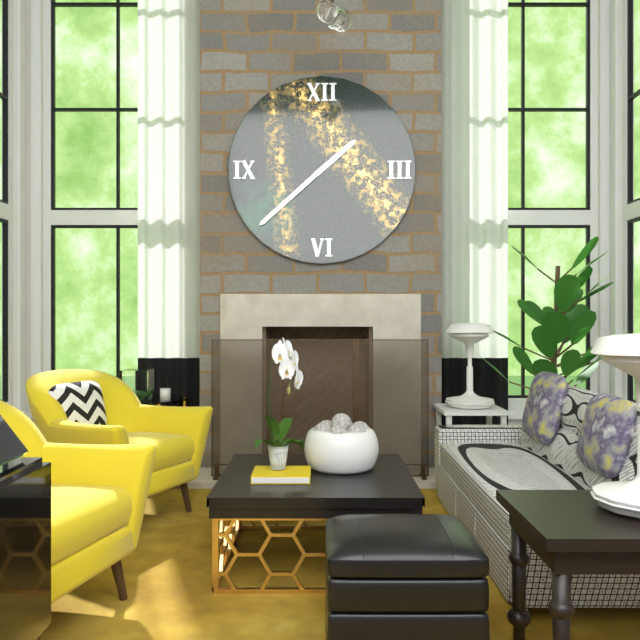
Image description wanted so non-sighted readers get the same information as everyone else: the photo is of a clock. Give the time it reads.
1:38
